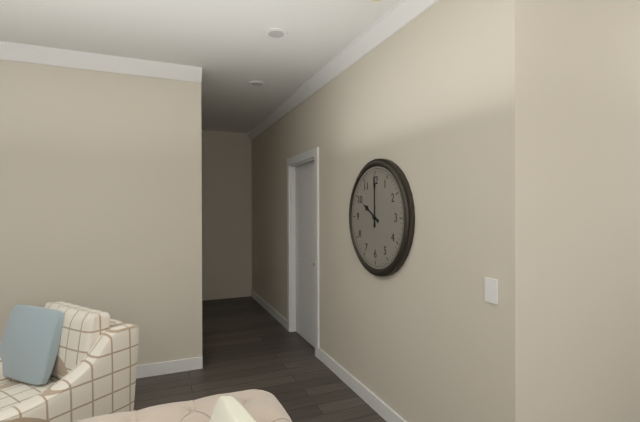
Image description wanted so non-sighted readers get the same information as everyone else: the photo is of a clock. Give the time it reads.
10:00
